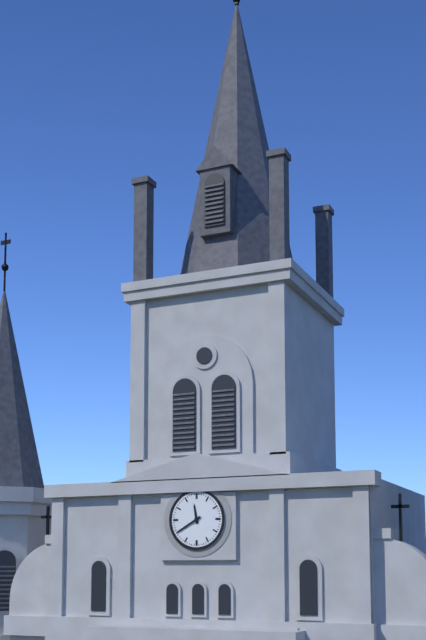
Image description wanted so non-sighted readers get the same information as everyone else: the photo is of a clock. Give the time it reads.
11:40
